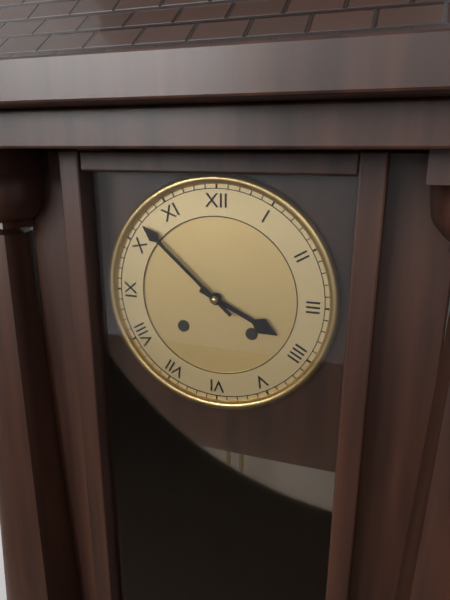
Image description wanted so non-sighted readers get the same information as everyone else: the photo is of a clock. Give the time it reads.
3:52
